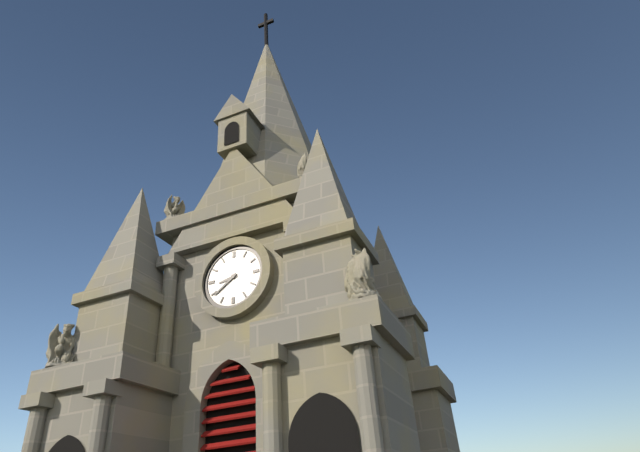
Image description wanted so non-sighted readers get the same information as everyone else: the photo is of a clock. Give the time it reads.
8:39
